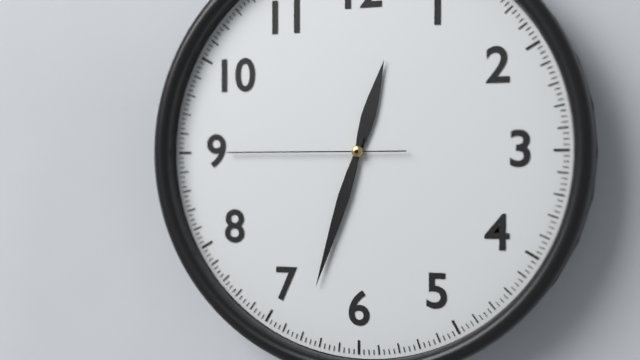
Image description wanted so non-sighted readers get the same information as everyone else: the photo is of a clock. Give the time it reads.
12:33:45
